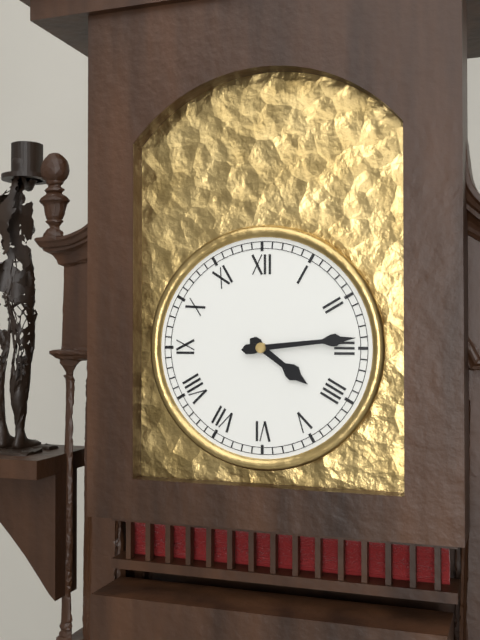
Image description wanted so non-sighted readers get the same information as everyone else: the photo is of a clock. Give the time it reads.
4:14
